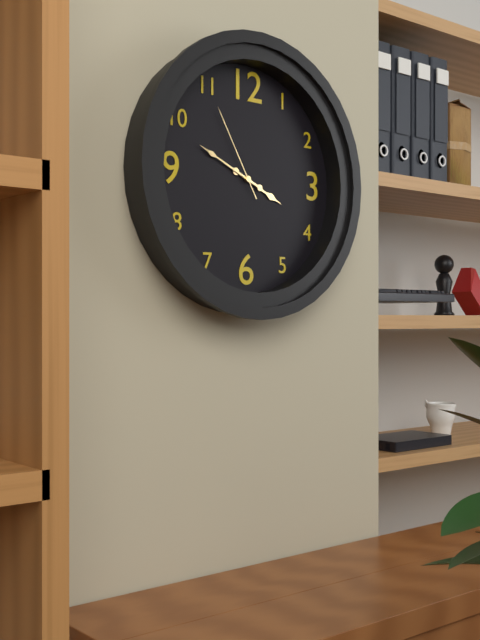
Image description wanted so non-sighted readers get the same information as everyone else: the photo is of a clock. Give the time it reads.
3:49:55
